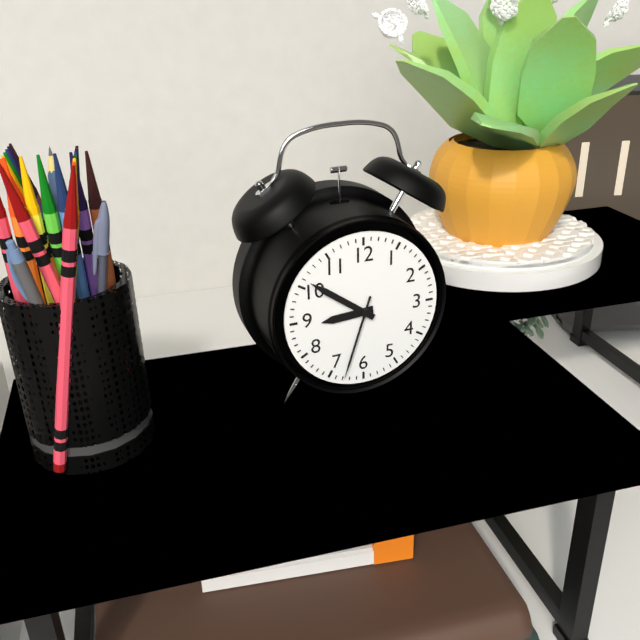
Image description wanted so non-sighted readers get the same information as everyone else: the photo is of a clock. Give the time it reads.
8:51:33
